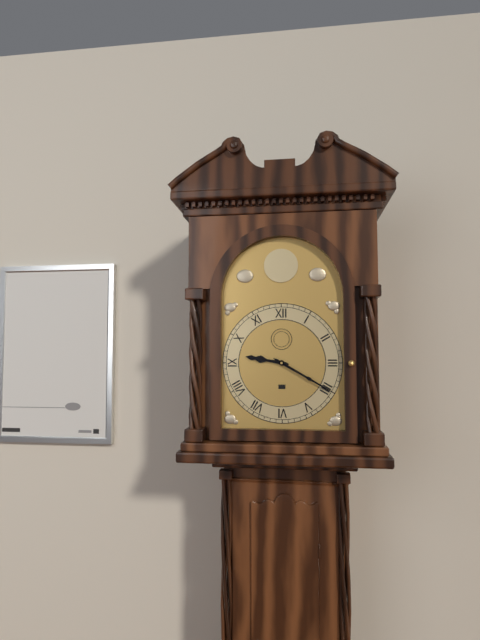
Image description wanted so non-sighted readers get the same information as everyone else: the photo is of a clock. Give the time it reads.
9:20
